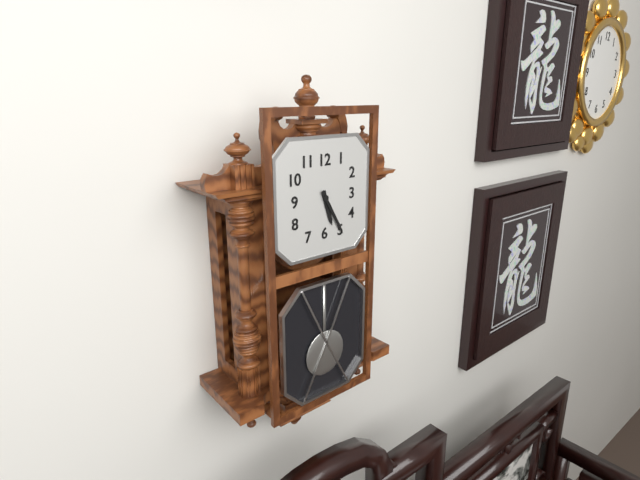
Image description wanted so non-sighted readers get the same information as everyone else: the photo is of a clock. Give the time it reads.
5:25
